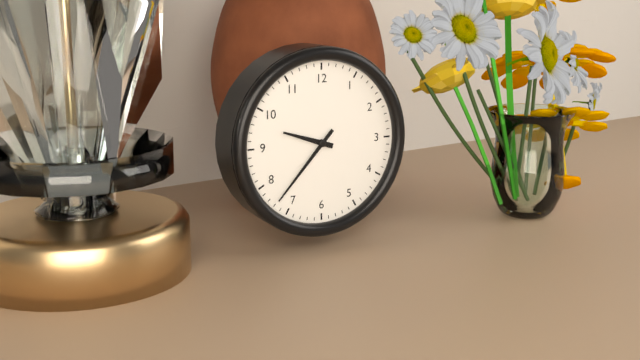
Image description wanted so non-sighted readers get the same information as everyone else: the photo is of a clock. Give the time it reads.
9:37
